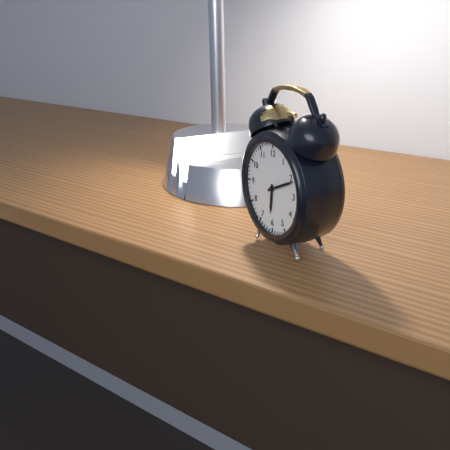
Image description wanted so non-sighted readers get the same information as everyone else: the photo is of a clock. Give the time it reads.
6:11
